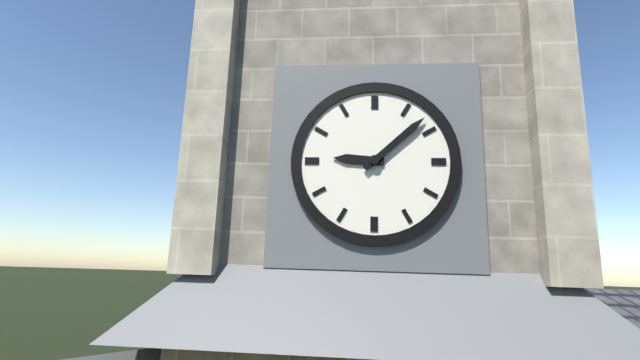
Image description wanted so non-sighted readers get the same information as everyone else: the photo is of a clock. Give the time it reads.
9:08
